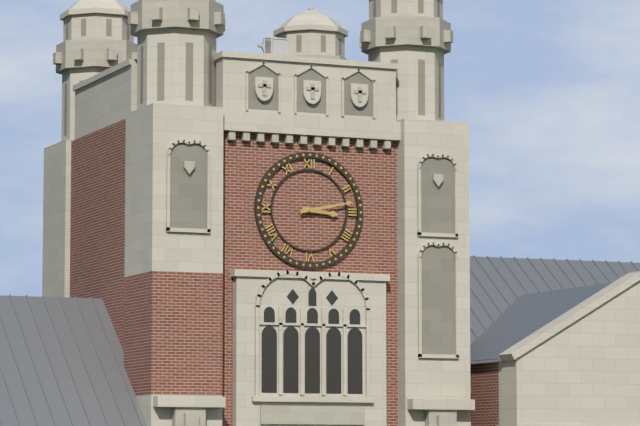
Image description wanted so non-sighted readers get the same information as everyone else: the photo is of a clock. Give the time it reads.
3:13
